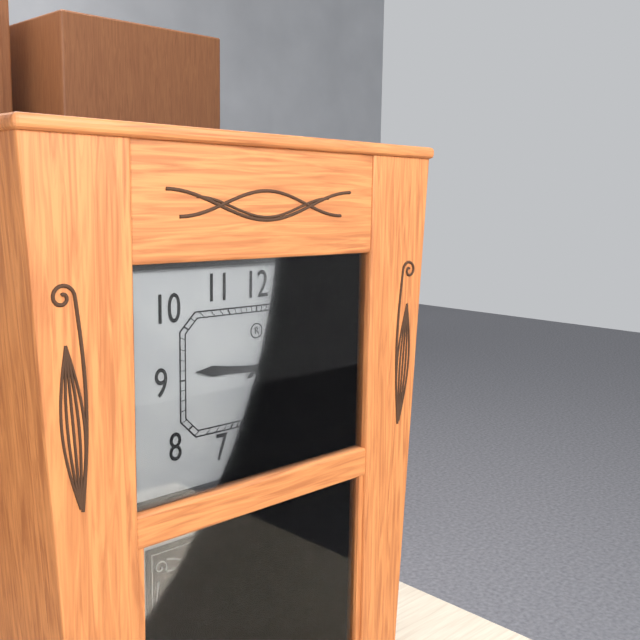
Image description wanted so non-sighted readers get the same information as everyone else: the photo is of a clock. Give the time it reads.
9:10
